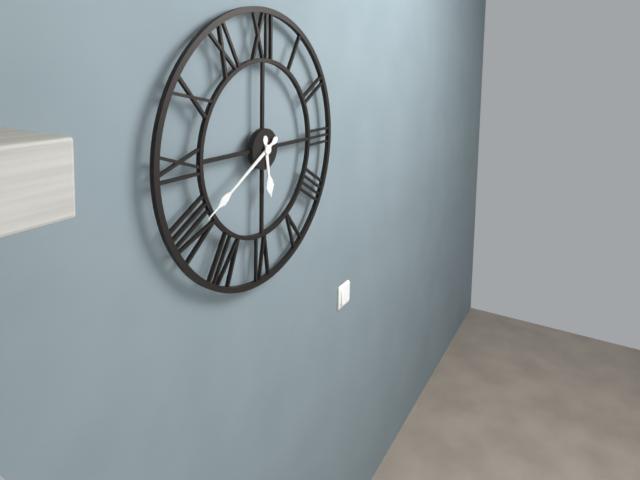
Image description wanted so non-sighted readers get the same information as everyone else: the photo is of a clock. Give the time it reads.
5:40
